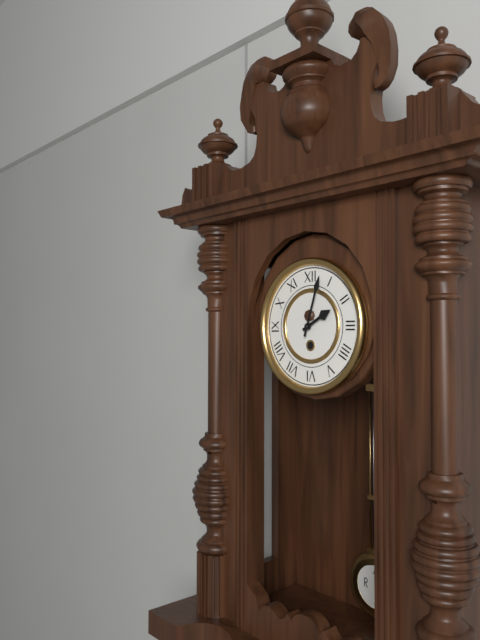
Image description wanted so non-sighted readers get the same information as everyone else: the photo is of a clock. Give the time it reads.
2:03
